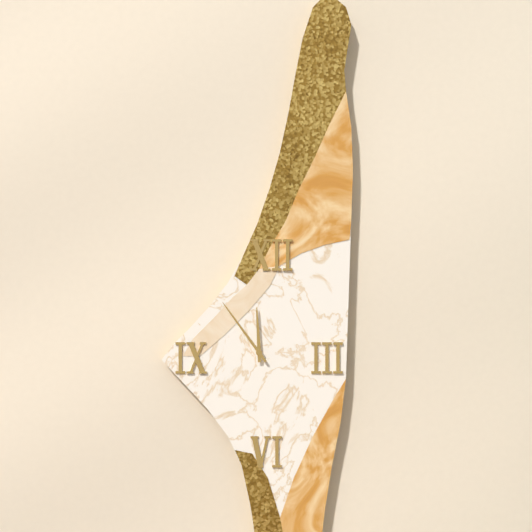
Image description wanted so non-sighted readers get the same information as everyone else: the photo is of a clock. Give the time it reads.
11:54
